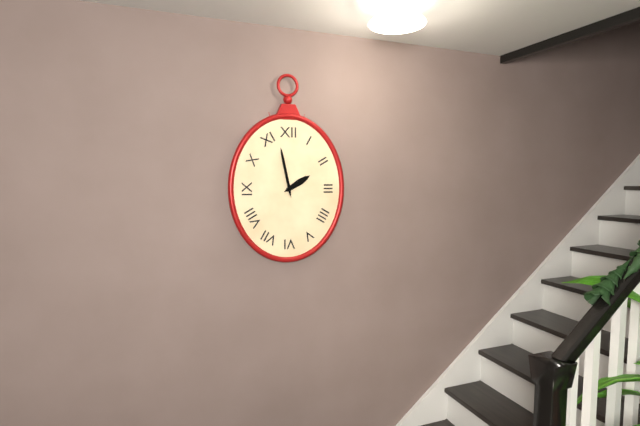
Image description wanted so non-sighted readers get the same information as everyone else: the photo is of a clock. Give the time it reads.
1:58
